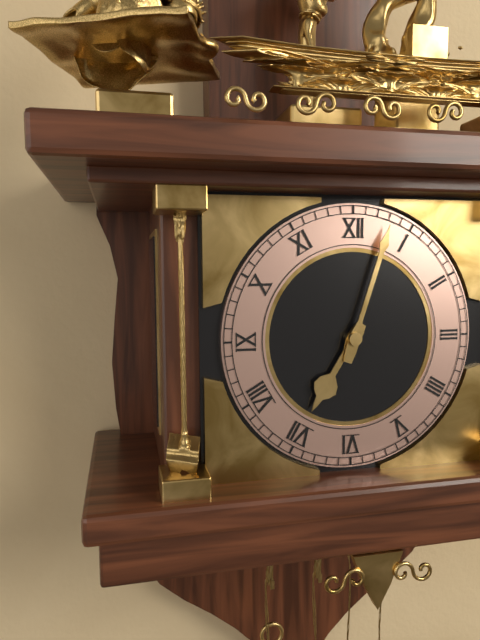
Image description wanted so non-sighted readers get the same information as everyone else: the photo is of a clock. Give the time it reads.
7:03
